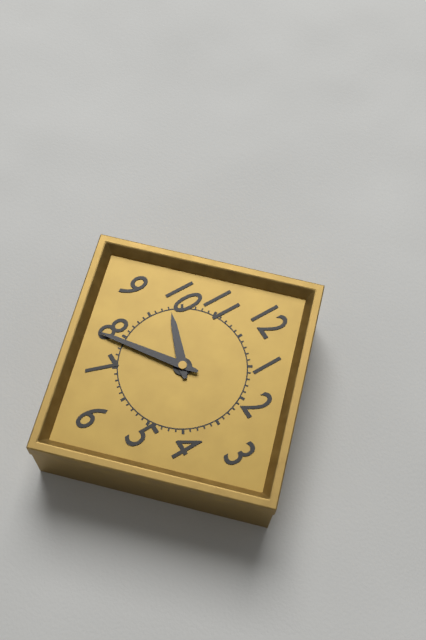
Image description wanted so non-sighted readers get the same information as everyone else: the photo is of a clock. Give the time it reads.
9:39
